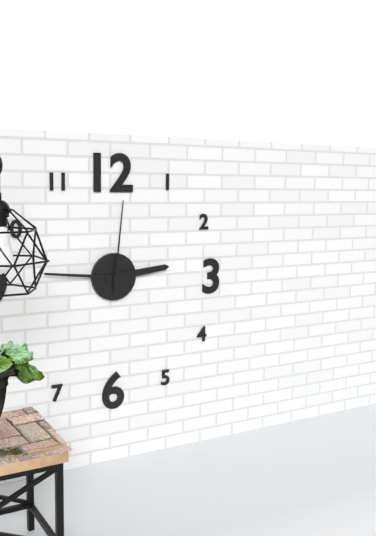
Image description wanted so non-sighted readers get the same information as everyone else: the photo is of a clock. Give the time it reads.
2:46:01
